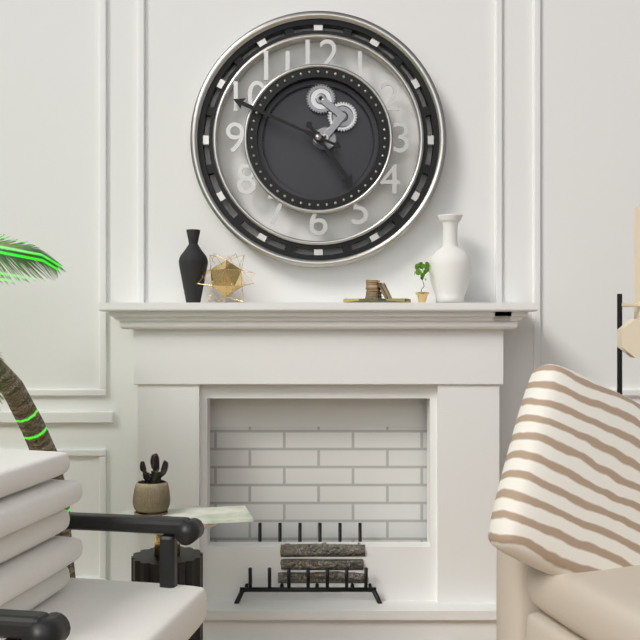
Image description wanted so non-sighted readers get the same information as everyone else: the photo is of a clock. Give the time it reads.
4:49
